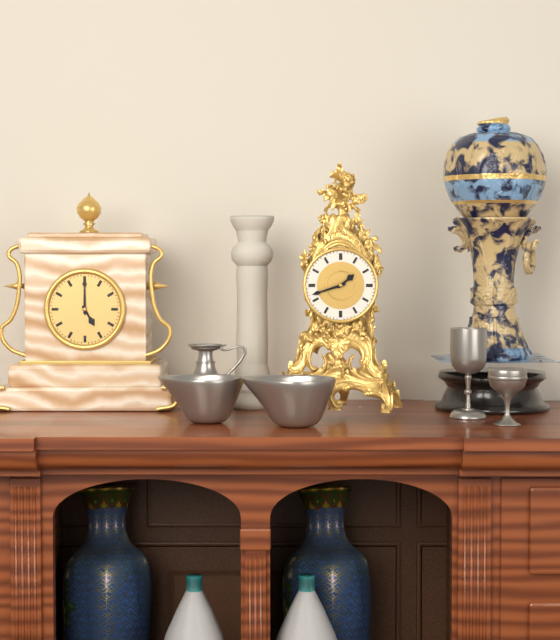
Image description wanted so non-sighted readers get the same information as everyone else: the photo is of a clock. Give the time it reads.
1:42
